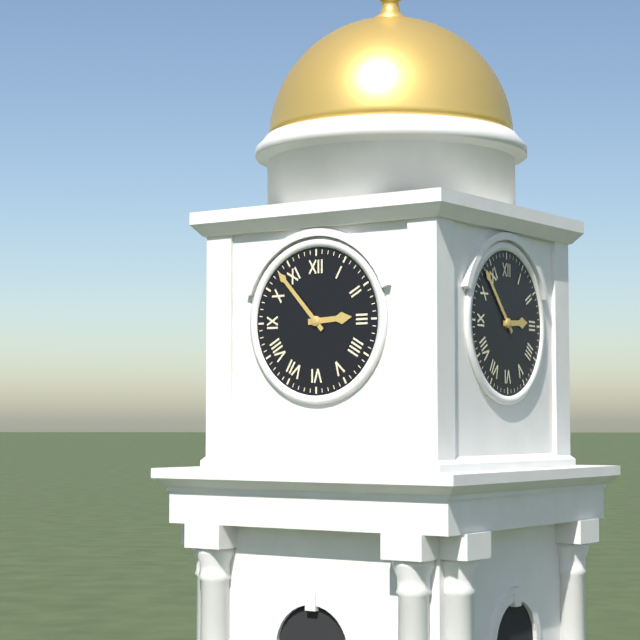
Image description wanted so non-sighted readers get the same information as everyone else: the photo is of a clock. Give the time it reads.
2:53
